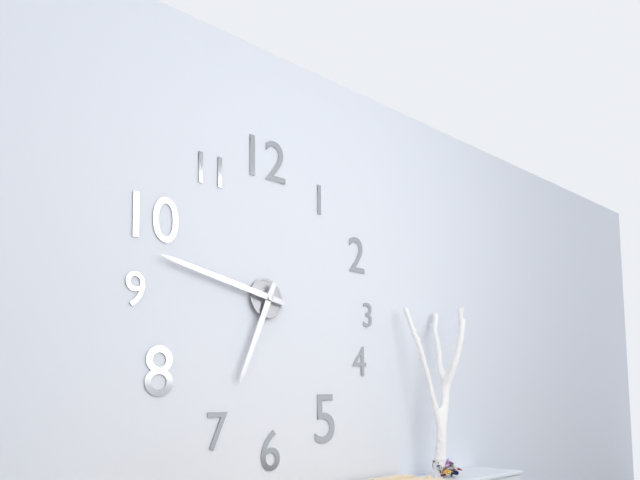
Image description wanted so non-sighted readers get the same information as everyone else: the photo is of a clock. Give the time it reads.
6:47
